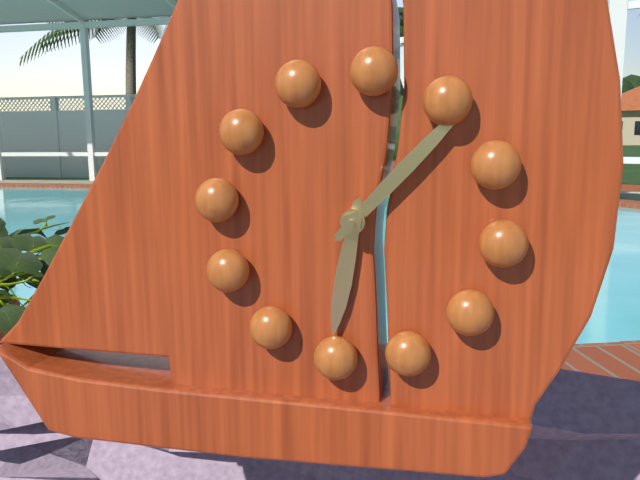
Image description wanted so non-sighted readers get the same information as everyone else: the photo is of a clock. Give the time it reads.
6:06
